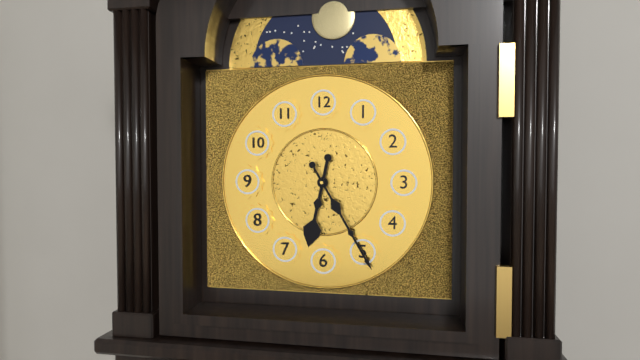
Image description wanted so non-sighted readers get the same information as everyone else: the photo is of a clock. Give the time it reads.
6:25
